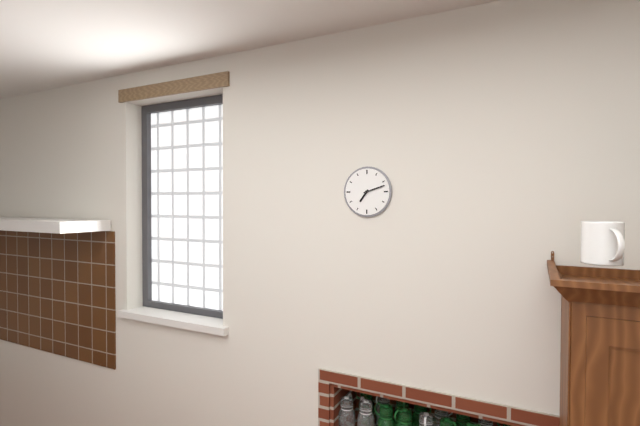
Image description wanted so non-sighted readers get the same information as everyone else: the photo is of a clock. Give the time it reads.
7:12
